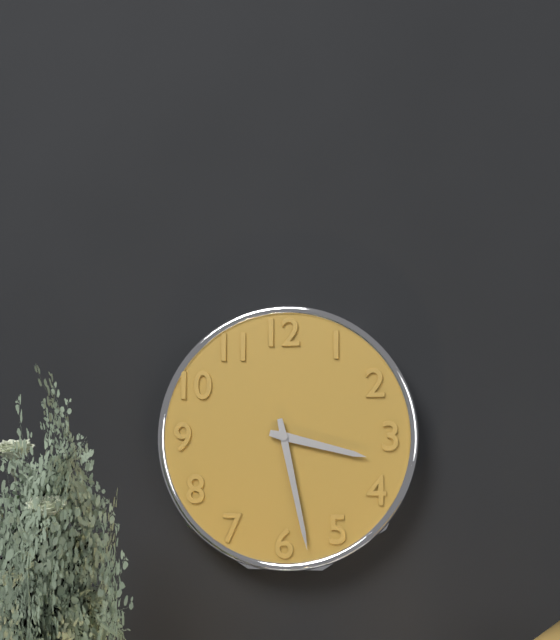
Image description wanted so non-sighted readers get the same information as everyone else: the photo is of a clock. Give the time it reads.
3:28
